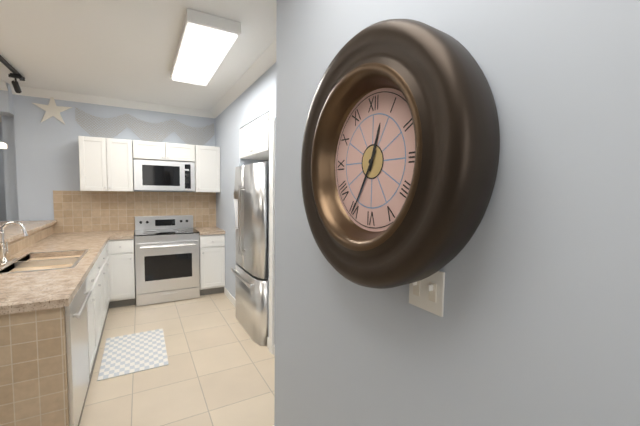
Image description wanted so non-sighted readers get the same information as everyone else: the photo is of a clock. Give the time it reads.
12:35
